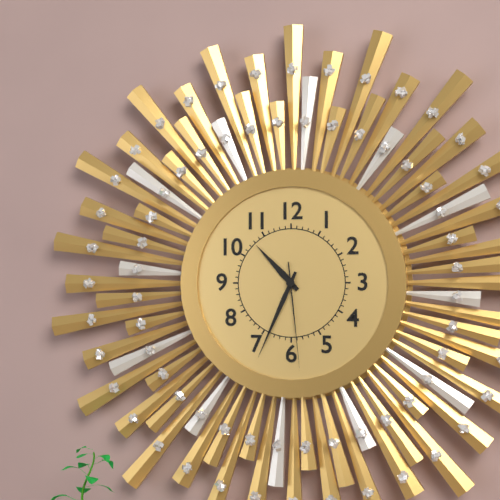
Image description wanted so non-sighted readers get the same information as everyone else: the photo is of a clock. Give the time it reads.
10:34:29
